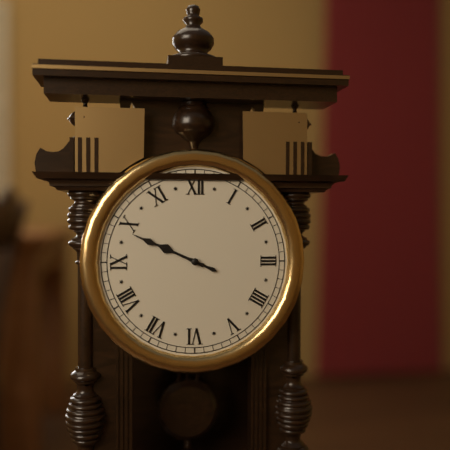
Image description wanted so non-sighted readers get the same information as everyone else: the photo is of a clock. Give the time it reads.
9:49
